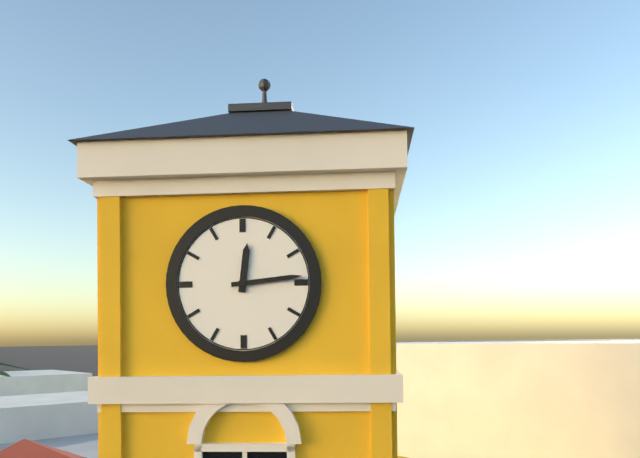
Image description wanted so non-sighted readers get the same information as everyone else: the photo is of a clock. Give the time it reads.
12:14
